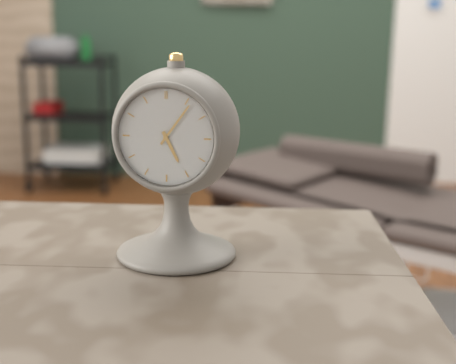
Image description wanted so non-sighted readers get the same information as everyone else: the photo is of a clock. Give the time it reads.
5:06
